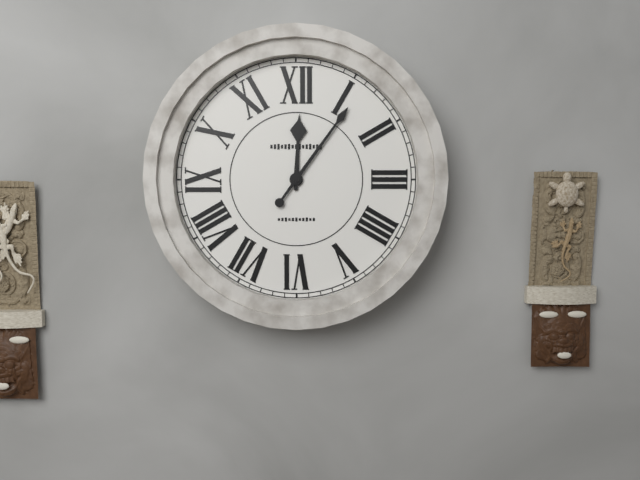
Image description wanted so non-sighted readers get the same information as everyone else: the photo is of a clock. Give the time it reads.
12:06
